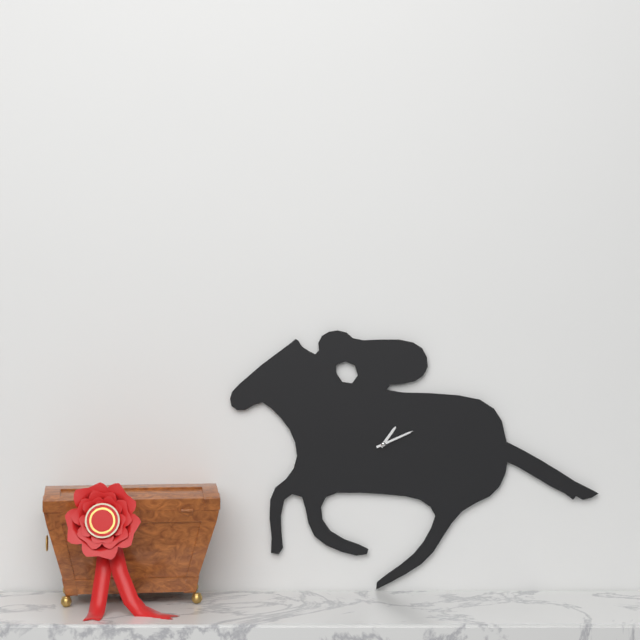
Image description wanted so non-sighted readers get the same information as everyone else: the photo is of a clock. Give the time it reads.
1:11
